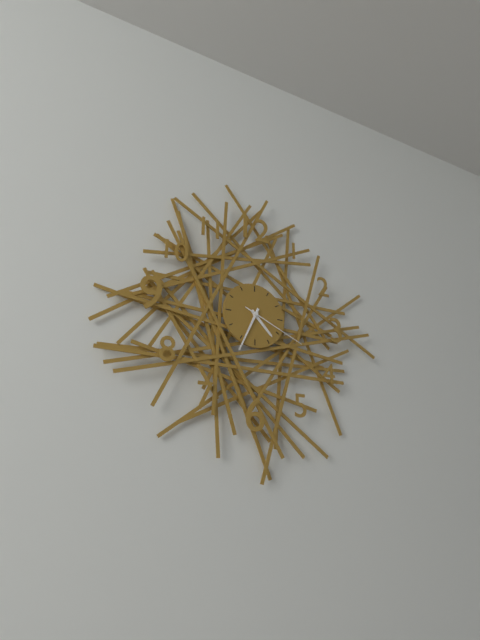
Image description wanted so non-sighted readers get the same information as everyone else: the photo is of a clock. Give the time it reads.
4:34:19
